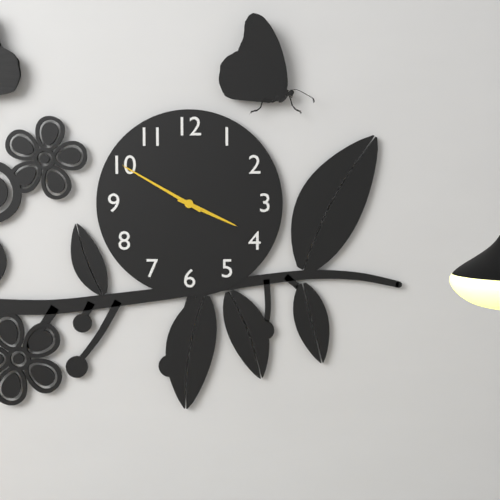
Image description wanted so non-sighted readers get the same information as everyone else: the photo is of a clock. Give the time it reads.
3:50
